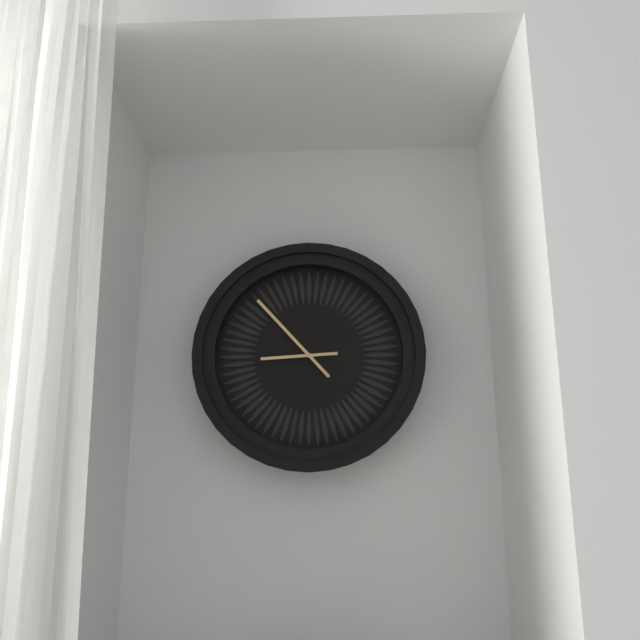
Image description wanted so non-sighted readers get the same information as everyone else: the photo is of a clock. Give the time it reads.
8:53
